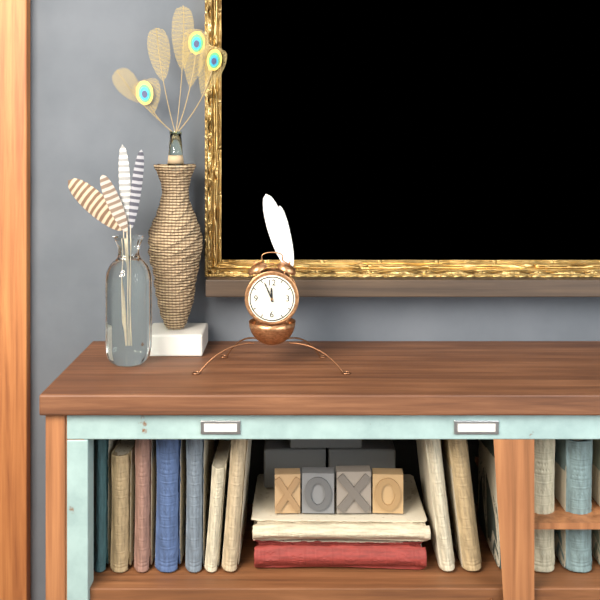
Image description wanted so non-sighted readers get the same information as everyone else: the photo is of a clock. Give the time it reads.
11:56
